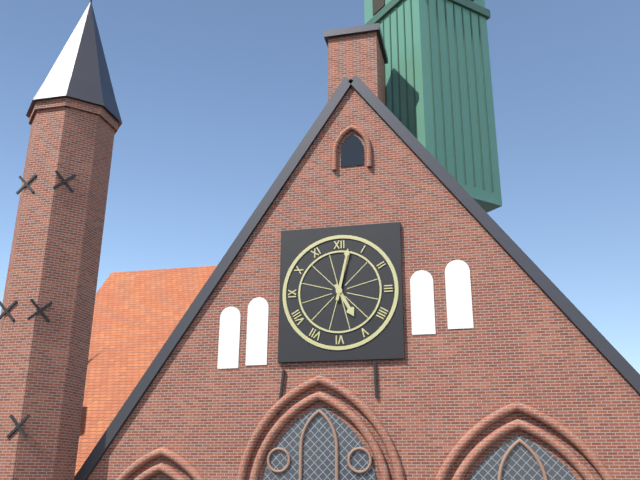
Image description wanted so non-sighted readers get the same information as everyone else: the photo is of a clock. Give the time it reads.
5:02
